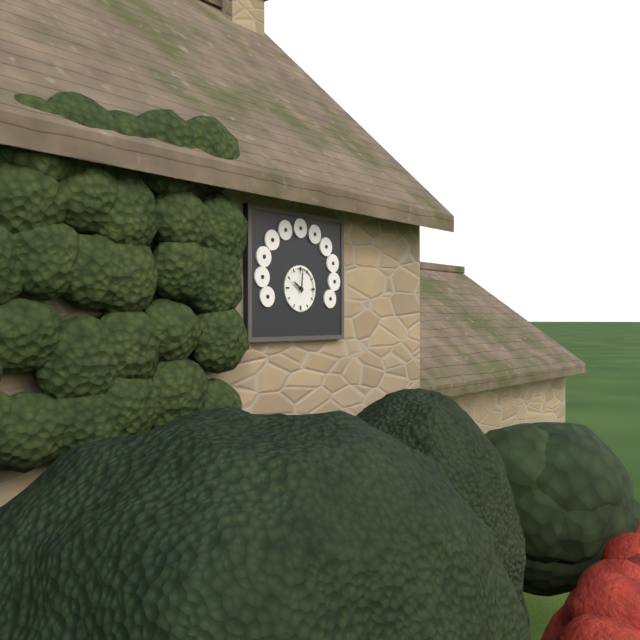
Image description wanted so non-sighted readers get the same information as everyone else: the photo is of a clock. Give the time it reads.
10:01
